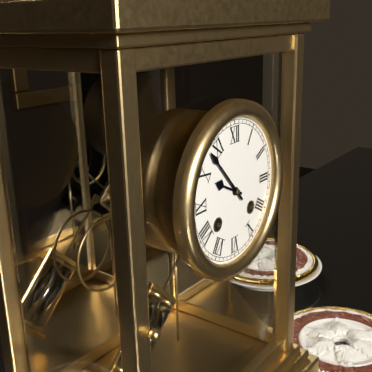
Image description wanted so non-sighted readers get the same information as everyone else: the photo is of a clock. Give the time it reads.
9:53
